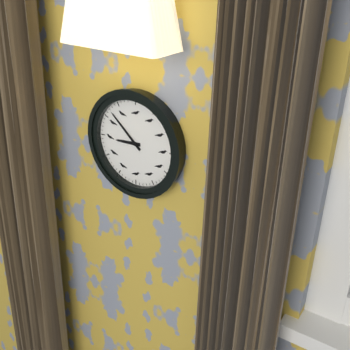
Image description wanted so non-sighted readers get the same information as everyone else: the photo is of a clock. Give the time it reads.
8:52
